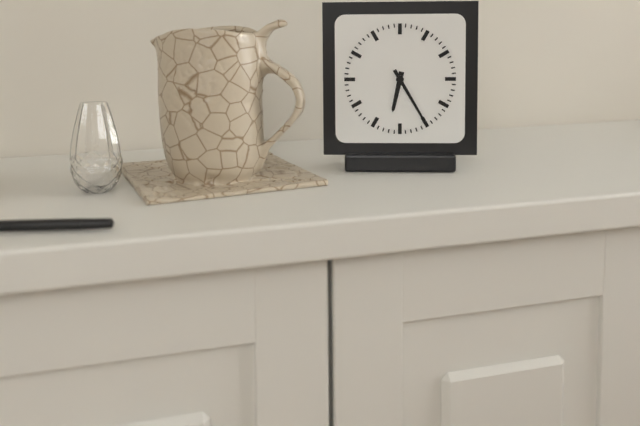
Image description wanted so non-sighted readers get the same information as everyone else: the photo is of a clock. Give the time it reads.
6:25
